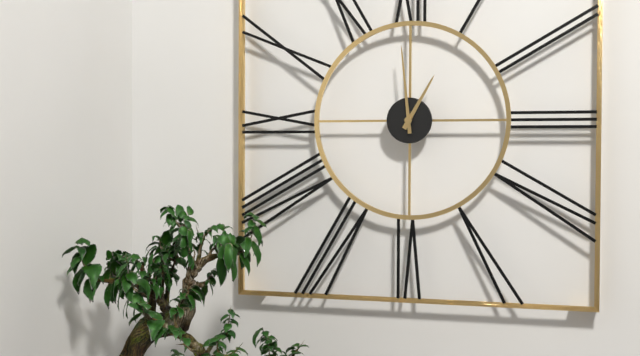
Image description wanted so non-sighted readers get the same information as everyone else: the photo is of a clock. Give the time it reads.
12:59
